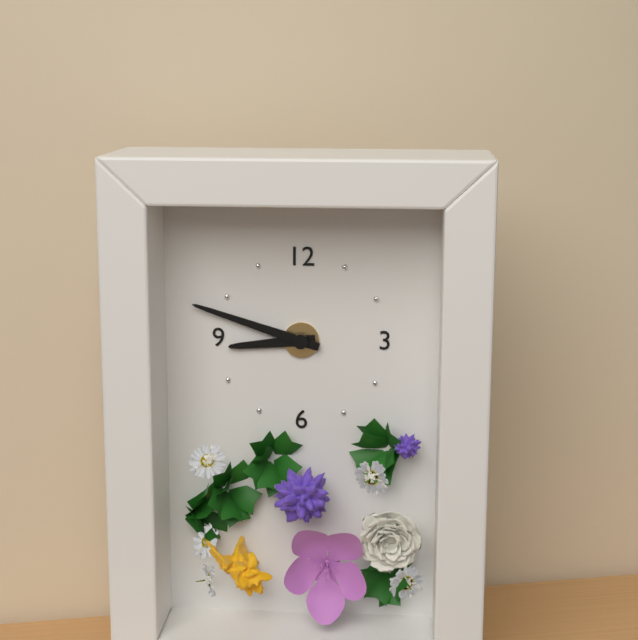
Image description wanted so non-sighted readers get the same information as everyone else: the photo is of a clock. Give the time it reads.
8:48
